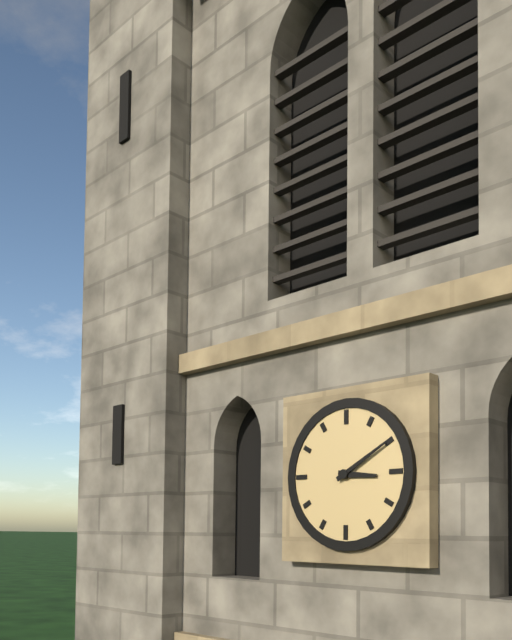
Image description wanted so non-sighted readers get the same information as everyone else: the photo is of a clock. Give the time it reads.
3:10
